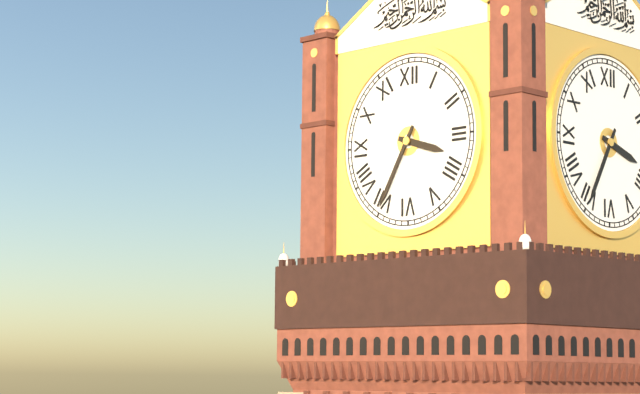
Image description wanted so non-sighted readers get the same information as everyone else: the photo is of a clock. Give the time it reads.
3:35
